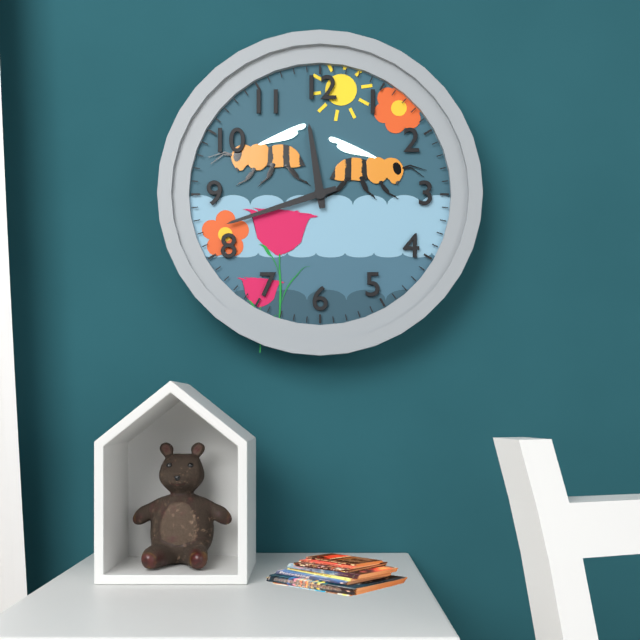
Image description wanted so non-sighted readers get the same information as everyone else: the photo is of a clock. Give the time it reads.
11:42
